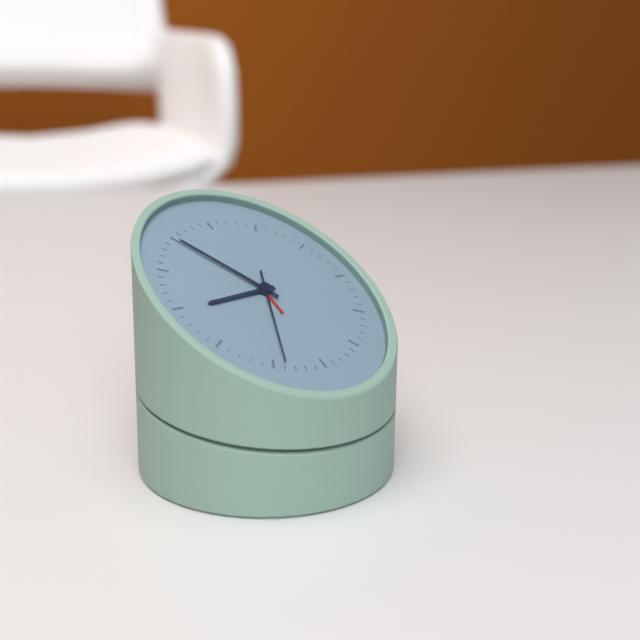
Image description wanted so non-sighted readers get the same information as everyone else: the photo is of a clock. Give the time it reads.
8:55:34
